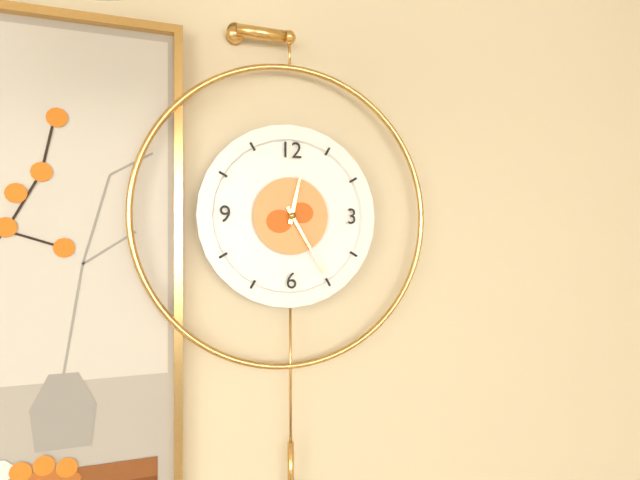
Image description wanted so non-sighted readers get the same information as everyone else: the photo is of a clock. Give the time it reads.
12:25
